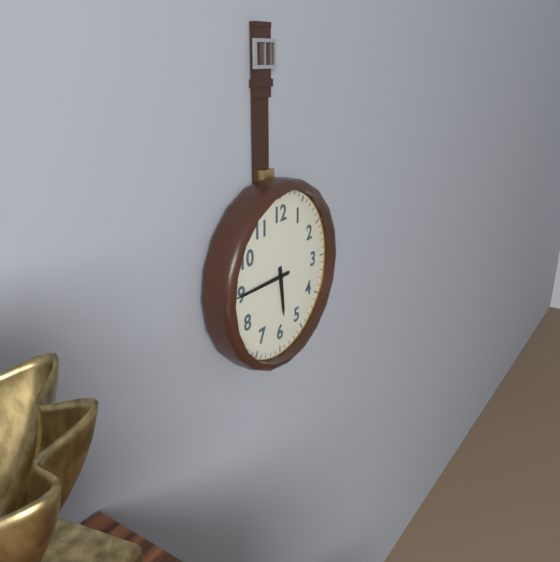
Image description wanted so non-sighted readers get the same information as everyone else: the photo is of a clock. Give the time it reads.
5:45
